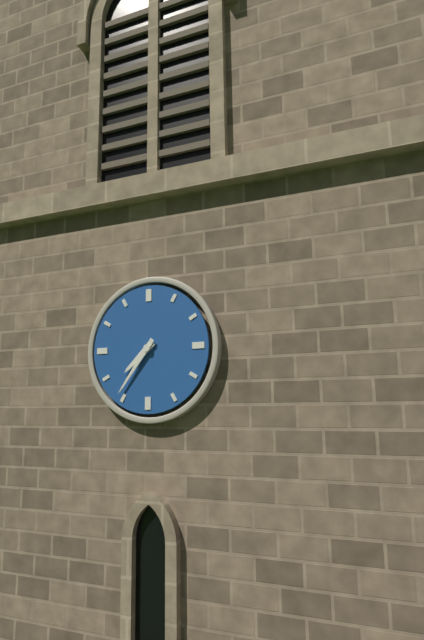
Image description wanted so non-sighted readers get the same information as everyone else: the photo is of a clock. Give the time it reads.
7:36
